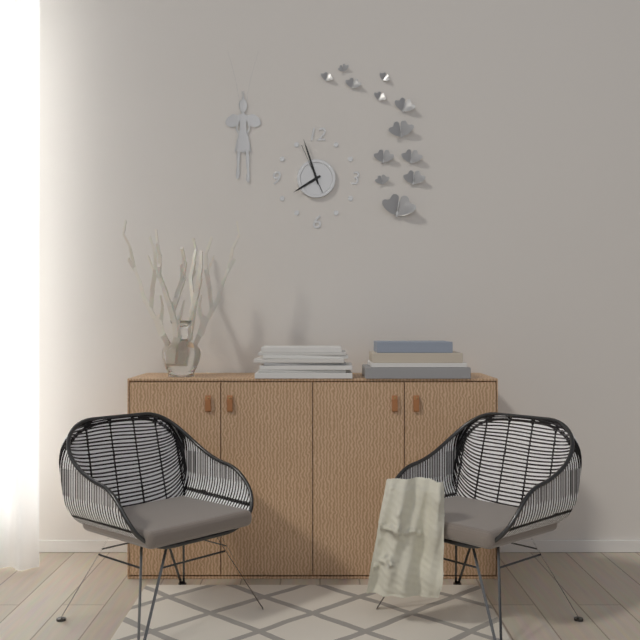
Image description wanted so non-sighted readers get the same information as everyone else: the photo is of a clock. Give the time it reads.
7:57
